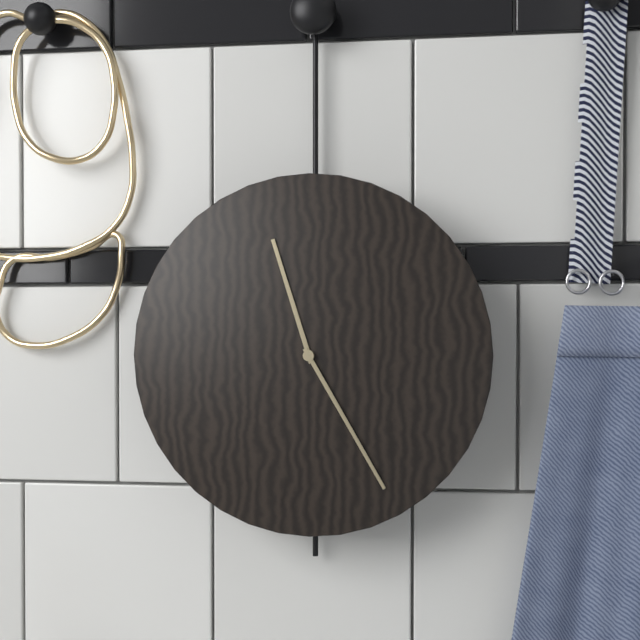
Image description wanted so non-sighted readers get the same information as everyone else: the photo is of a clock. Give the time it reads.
11:25
